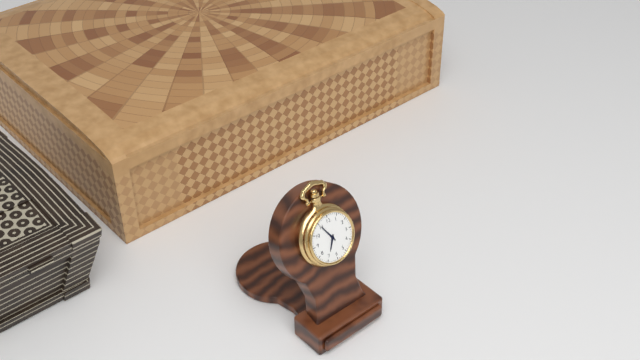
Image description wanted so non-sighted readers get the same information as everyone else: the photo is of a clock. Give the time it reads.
6:55
